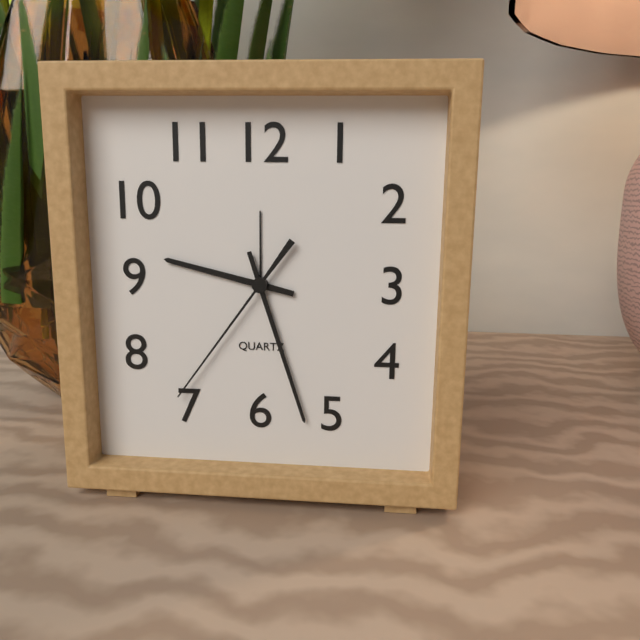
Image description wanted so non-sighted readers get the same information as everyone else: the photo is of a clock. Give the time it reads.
9:27:36
